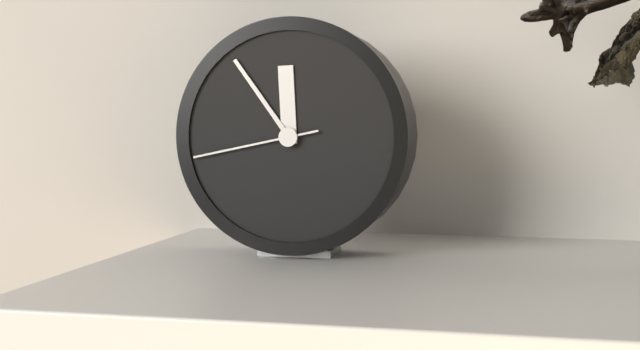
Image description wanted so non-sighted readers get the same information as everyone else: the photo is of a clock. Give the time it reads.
11:54:43
